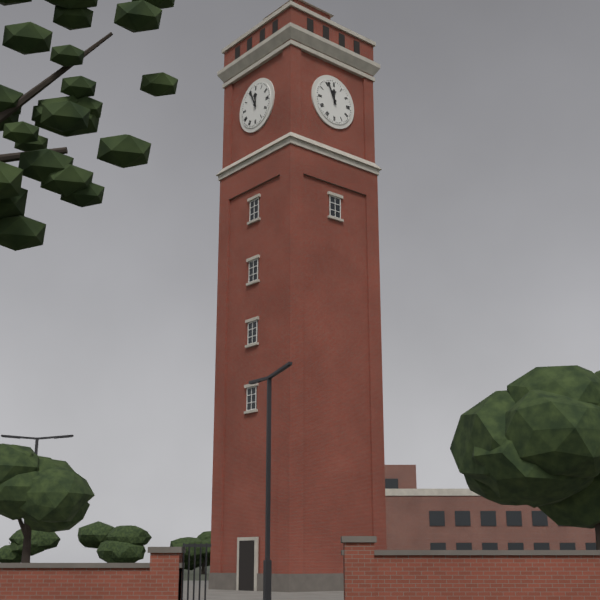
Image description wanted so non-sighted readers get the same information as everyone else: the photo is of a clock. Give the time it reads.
11:56
